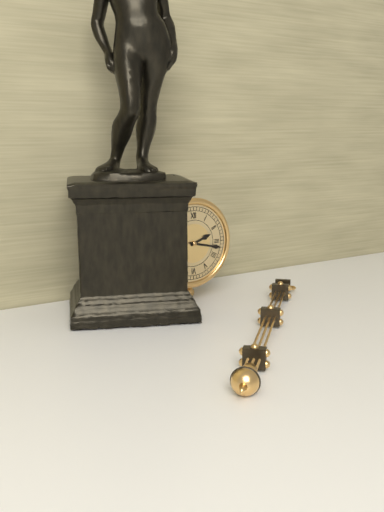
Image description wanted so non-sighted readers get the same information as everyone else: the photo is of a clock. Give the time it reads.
2:17
